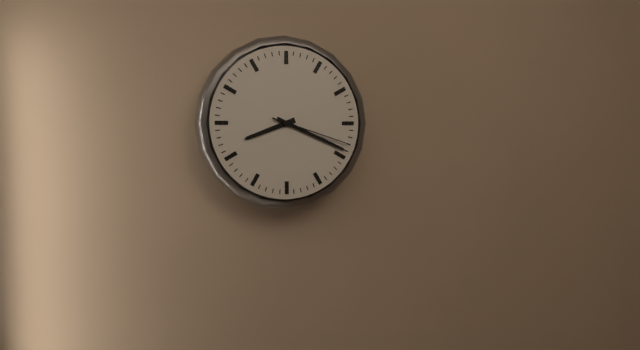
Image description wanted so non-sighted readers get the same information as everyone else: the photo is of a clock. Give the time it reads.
8:19:18
